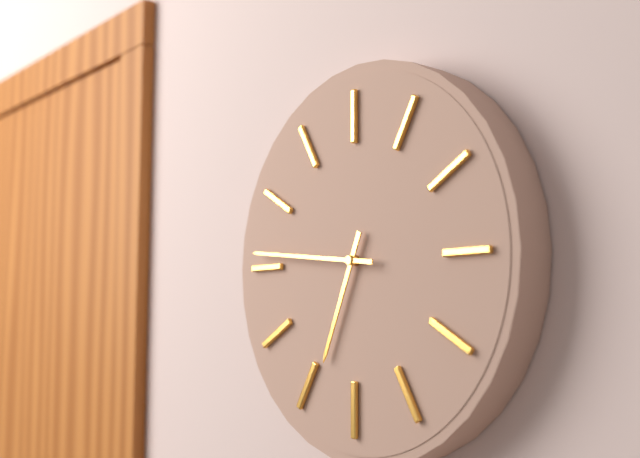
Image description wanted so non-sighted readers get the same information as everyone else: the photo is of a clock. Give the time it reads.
6:46
